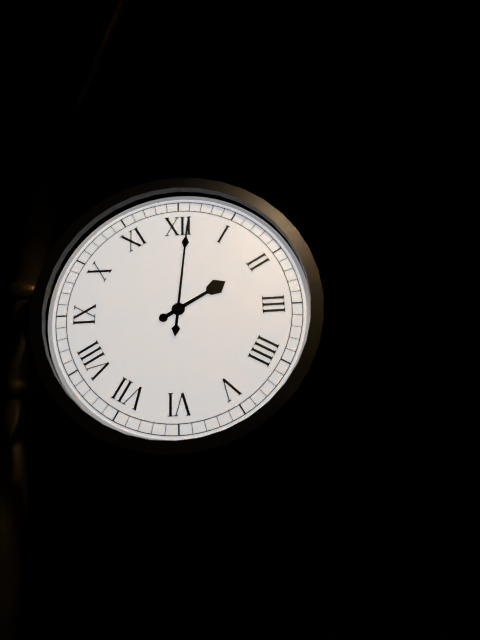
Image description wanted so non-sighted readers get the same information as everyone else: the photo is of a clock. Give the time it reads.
2:01
